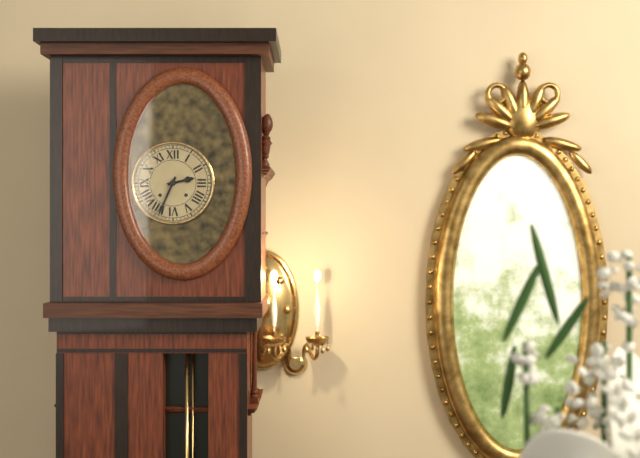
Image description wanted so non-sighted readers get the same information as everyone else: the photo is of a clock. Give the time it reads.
2:34
